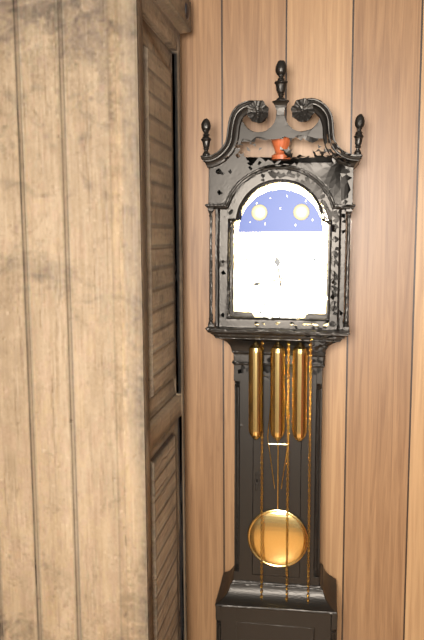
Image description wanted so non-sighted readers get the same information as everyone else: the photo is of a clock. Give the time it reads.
11:43
